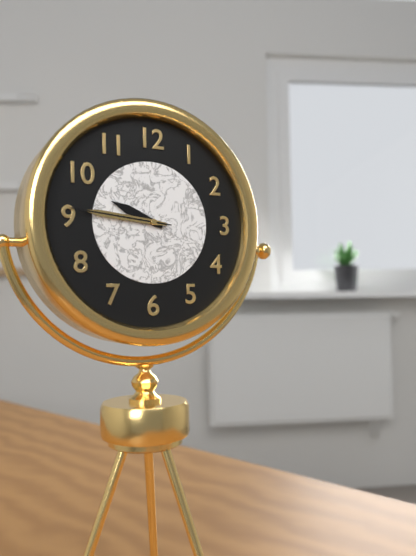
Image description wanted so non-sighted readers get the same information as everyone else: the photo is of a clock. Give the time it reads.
9:46:46
